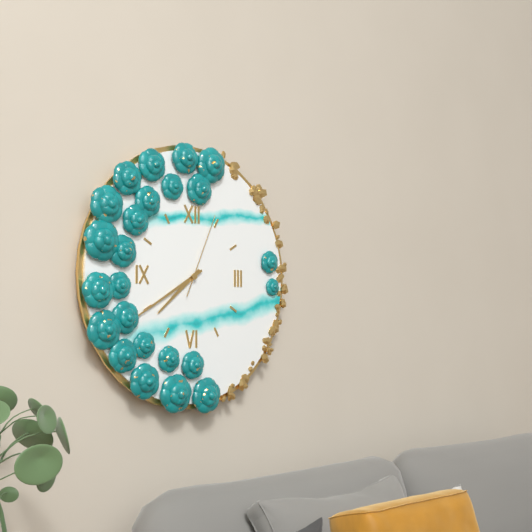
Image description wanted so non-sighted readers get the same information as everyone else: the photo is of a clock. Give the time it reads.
7:40:04
